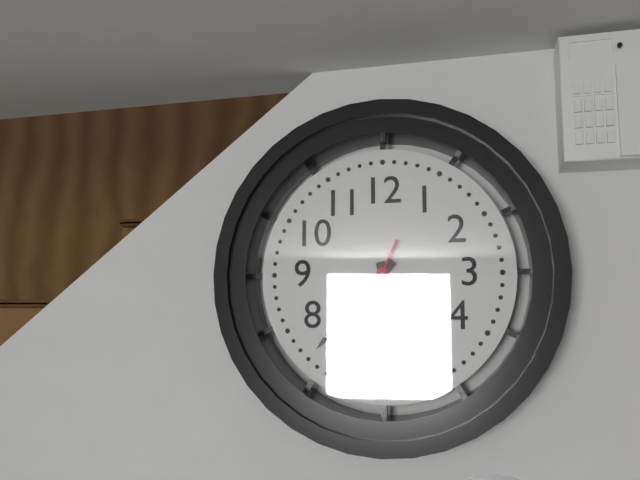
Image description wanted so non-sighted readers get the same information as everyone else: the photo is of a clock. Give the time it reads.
5:37:34
